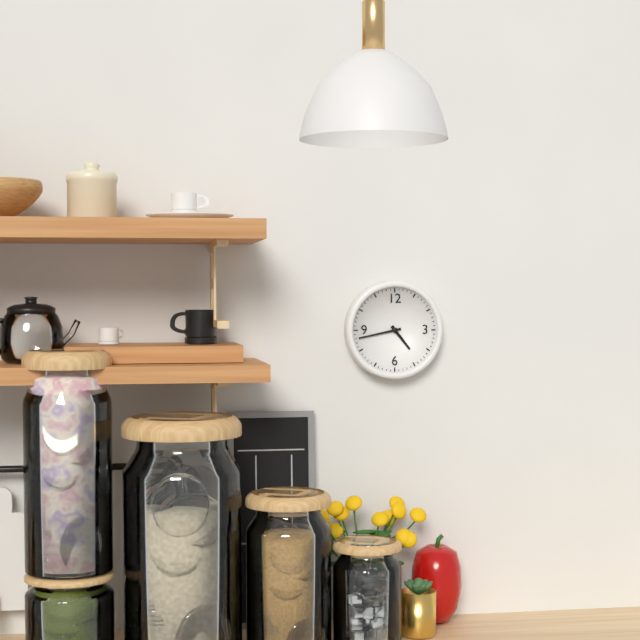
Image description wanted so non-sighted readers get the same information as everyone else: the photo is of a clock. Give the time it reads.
4:43
